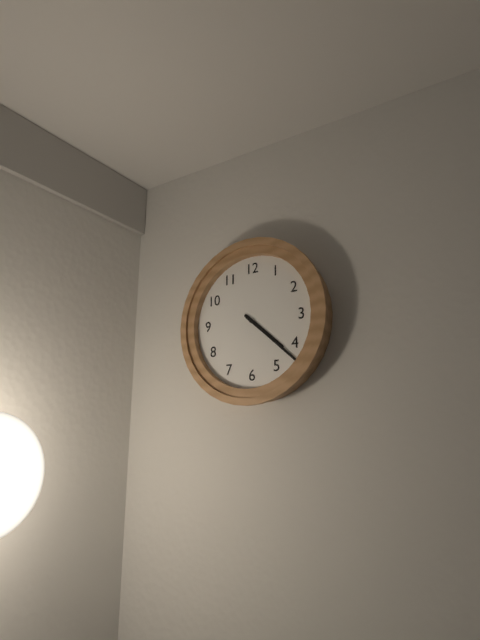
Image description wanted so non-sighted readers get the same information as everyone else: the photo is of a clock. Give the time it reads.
4:22
